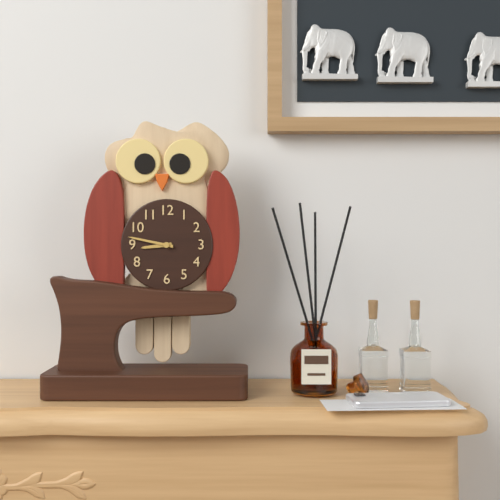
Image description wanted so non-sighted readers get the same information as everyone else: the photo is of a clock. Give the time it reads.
8:47
